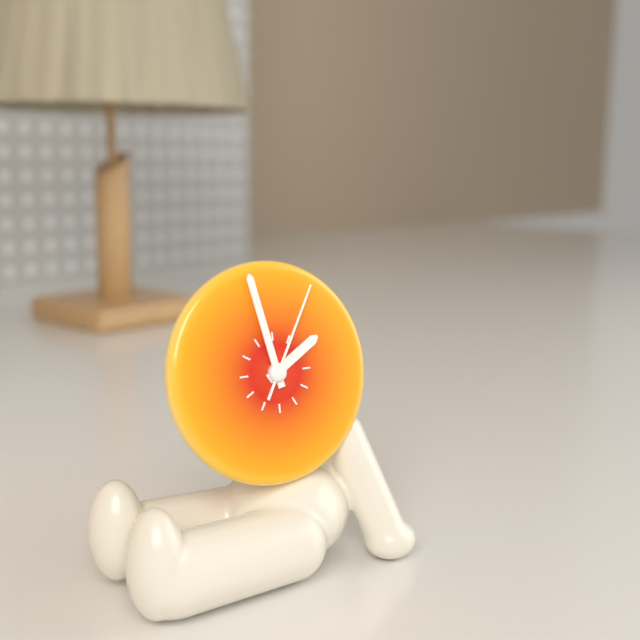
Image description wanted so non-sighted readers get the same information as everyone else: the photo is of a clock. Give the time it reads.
1:58:05
